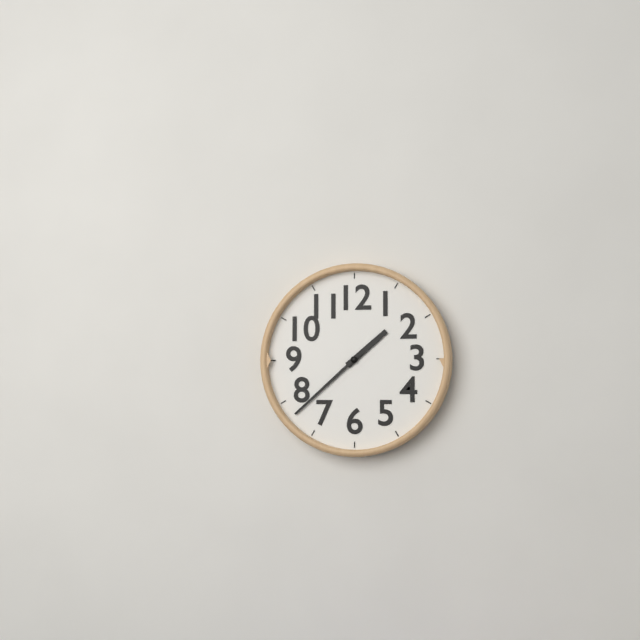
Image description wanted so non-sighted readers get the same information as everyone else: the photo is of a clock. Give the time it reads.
1:38
